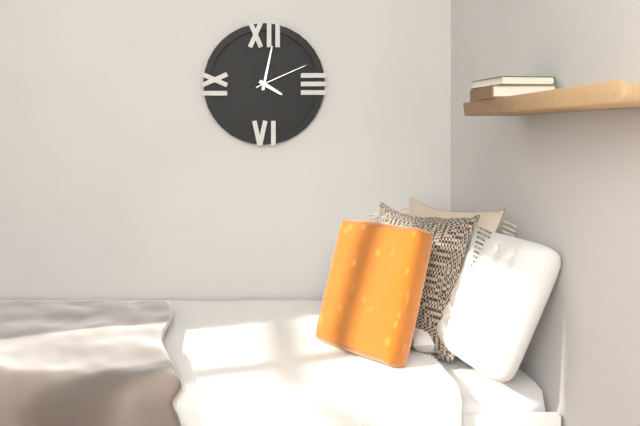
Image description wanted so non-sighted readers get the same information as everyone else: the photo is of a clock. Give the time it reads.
4:02:11
